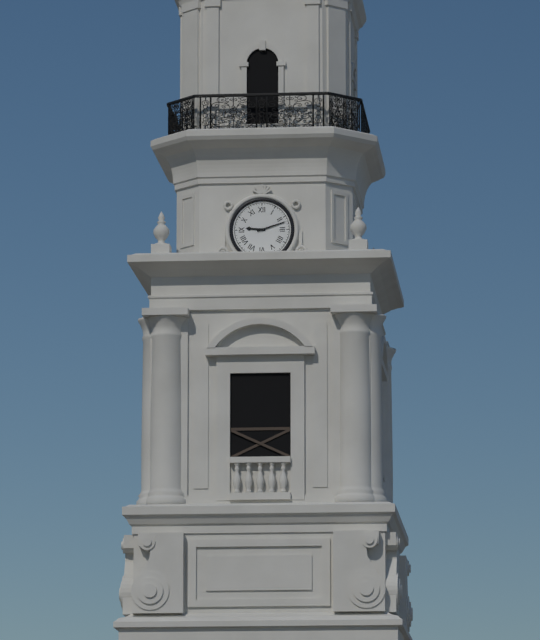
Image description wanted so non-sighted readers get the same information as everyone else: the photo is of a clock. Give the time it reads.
9:12
